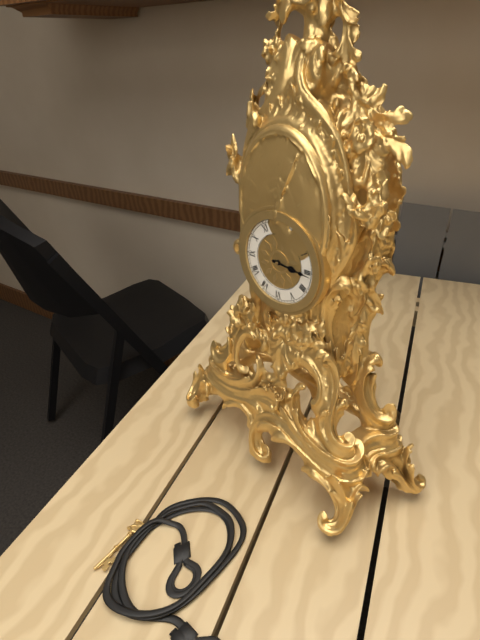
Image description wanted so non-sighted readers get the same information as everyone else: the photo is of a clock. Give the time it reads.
3:16
